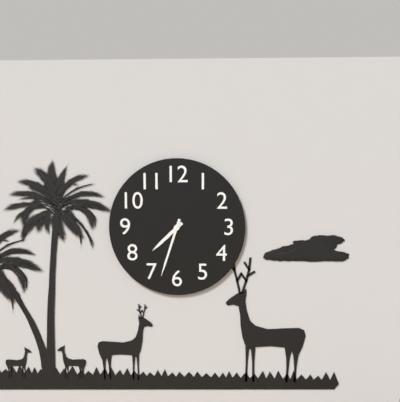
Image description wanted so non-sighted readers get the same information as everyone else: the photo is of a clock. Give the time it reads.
7:33
